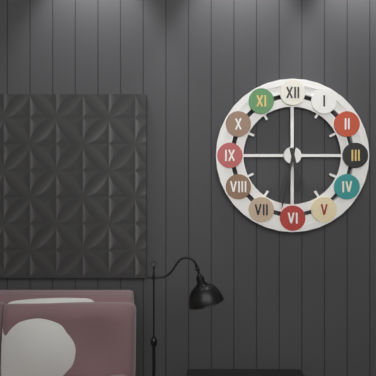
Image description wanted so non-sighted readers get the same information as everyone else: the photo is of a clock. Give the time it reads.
5:32
